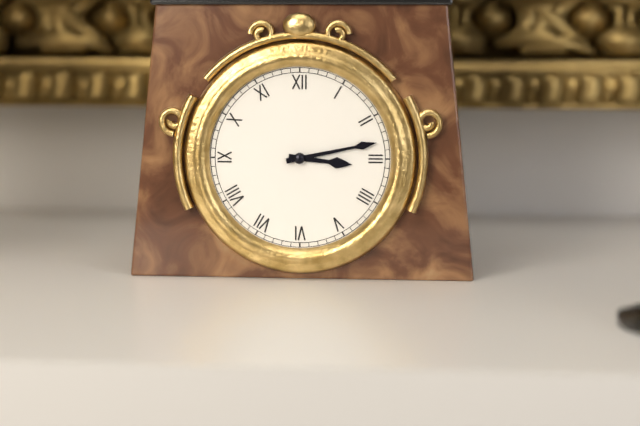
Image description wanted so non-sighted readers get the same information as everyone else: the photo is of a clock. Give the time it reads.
3:13
